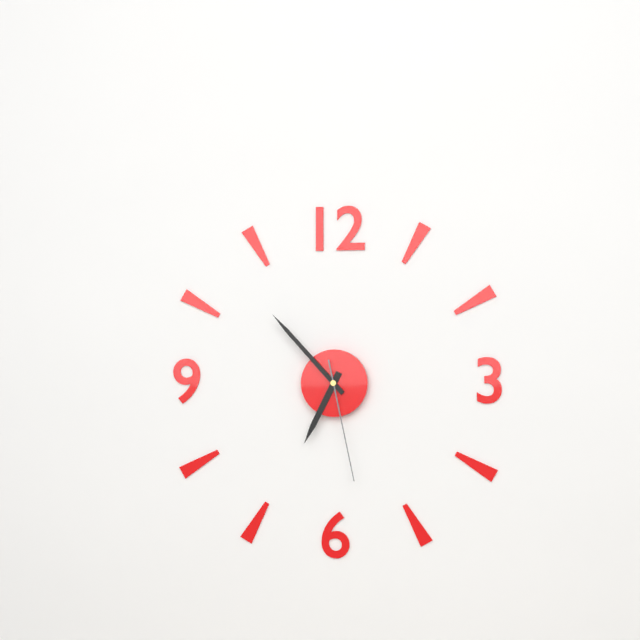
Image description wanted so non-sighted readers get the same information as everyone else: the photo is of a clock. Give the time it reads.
6:53:28
